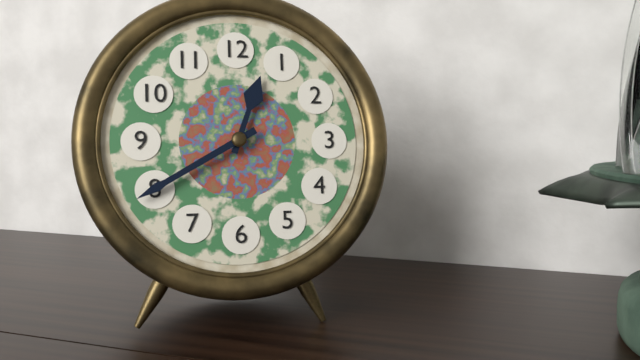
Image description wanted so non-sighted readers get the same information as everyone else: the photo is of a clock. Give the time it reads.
12:40
